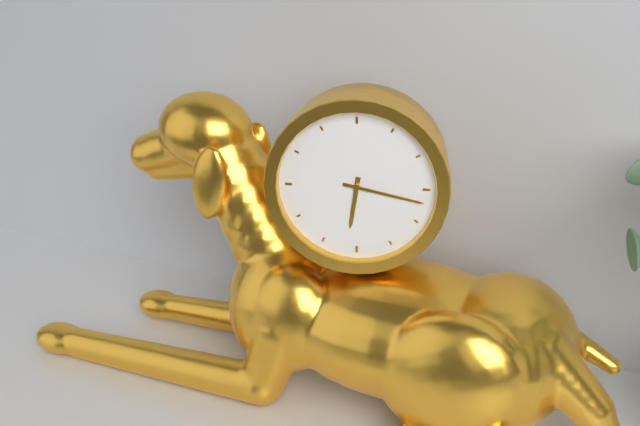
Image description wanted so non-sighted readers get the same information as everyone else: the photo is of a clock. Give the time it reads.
6:17
